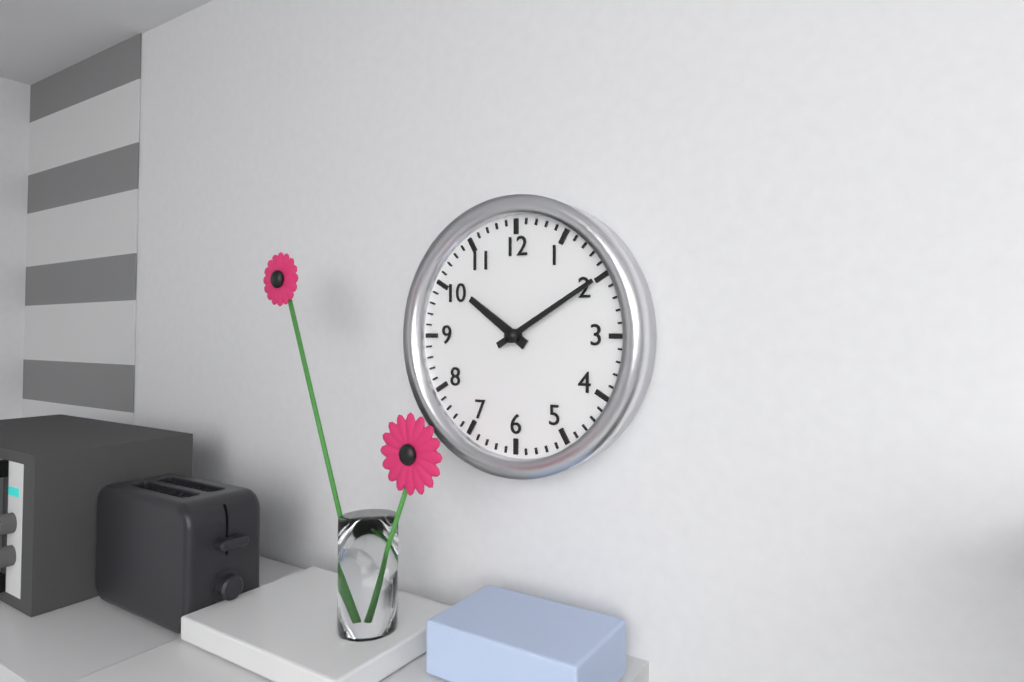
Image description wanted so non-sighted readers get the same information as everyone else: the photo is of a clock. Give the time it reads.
10:10
